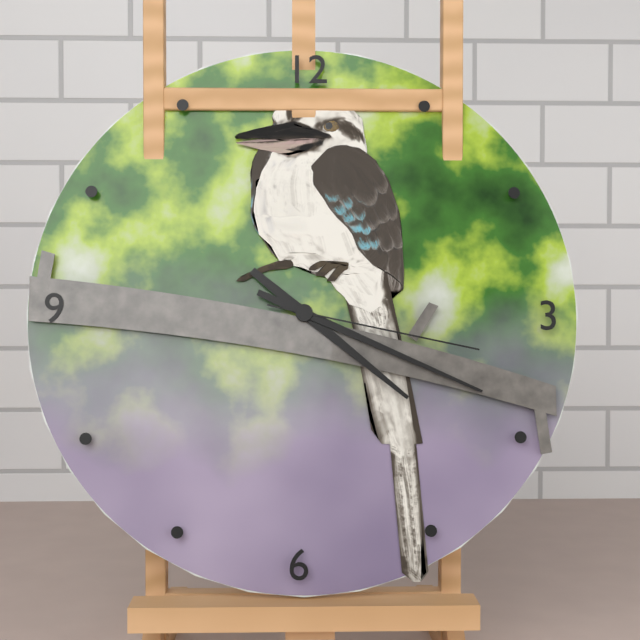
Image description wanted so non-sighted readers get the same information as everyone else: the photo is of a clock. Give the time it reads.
4:19:17
